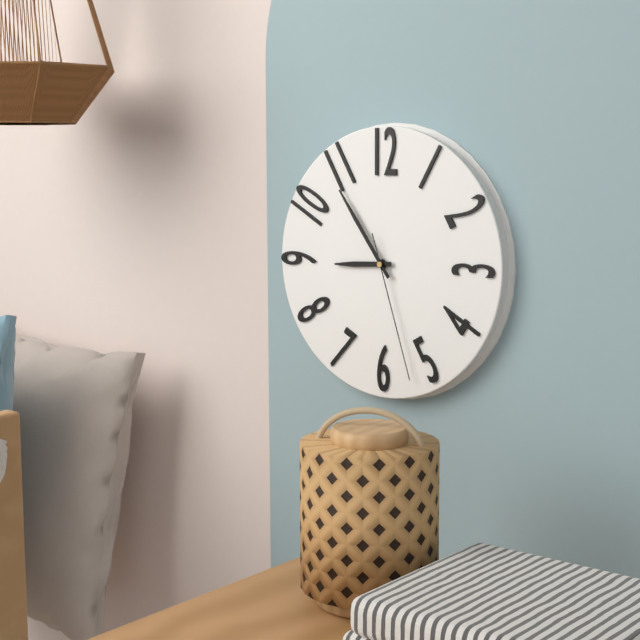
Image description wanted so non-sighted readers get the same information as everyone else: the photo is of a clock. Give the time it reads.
8:54:27
